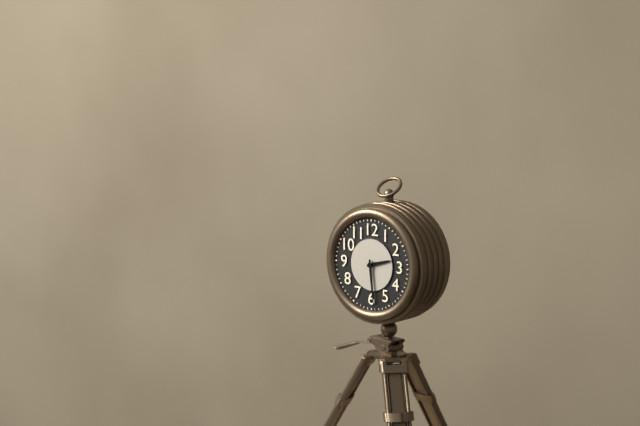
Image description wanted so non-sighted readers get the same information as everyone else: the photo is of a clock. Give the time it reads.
2:29
